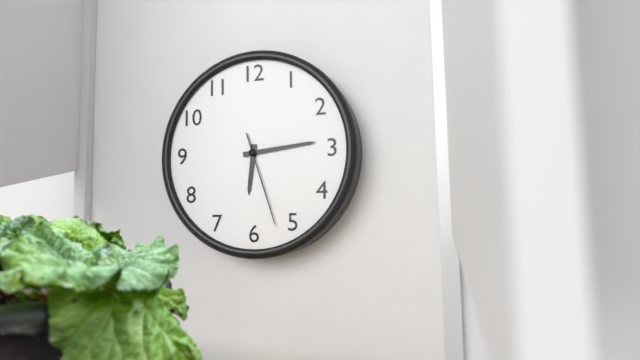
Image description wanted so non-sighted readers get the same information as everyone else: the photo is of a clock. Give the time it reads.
6:14:27
